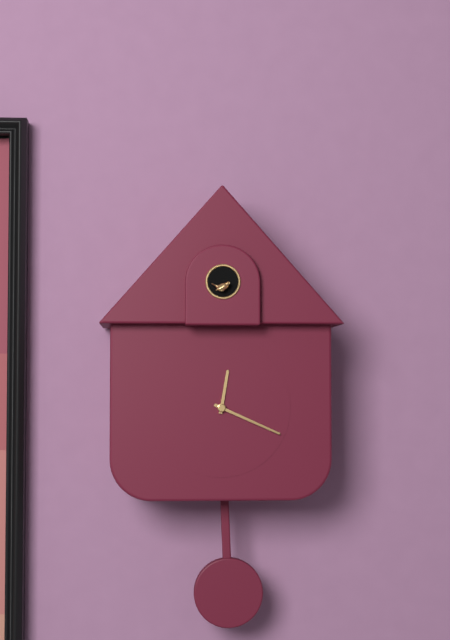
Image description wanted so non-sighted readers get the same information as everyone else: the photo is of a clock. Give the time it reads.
12:19
